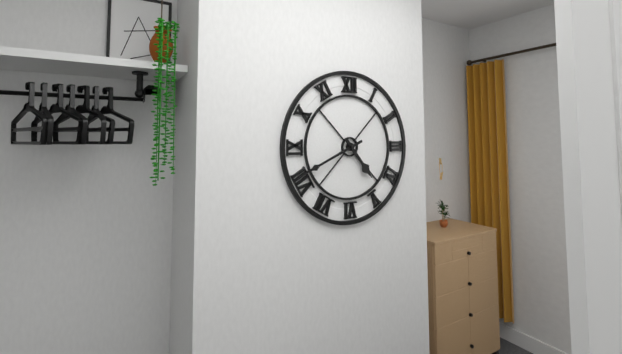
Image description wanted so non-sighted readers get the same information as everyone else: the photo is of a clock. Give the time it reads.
4:41
